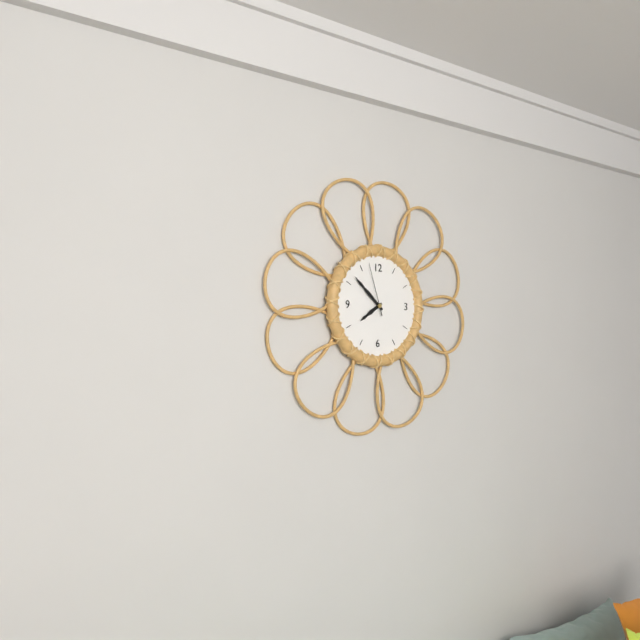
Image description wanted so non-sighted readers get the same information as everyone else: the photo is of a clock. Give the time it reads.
7:52:57
